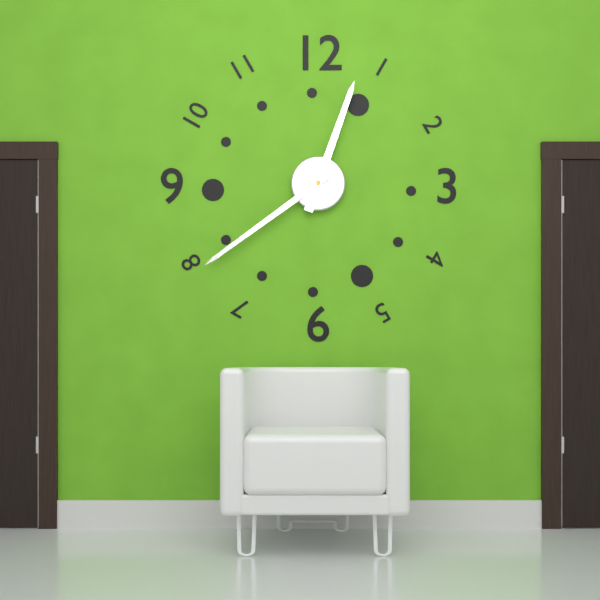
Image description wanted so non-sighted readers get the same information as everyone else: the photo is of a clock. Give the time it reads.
12:39
